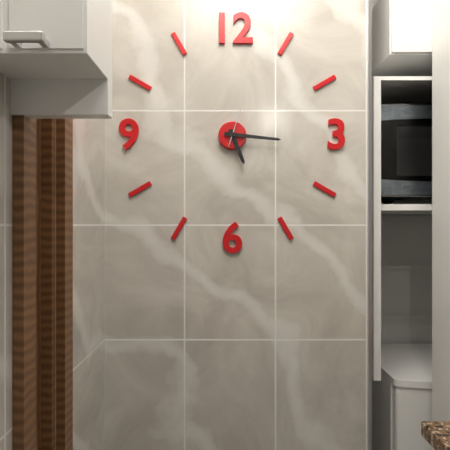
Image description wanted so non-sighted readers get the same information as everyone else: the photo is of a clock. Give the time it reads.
5:16:03
